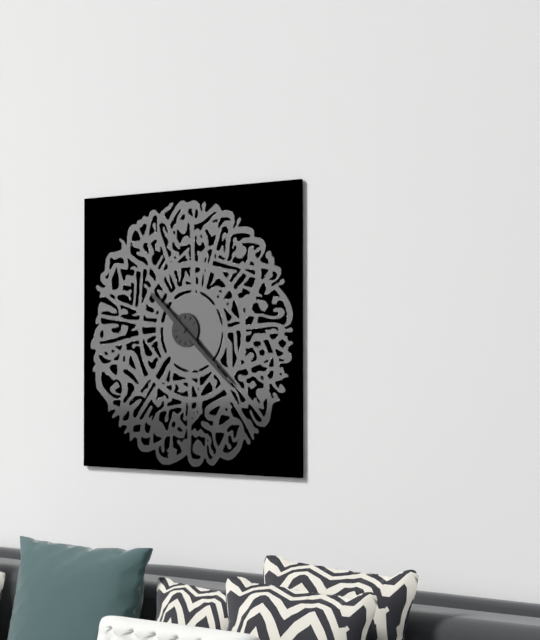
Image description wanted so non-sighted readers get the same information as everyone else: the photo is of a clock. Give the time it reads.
10:22
